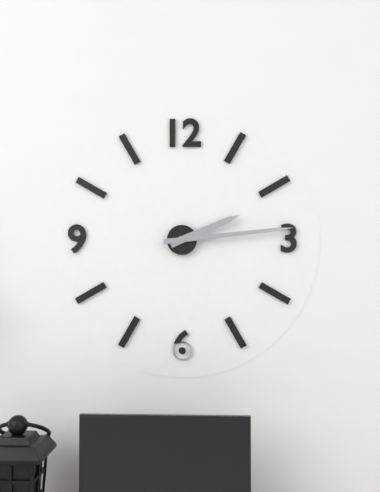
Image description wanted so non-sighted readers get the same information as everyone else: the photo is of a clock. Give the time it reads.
2:14
